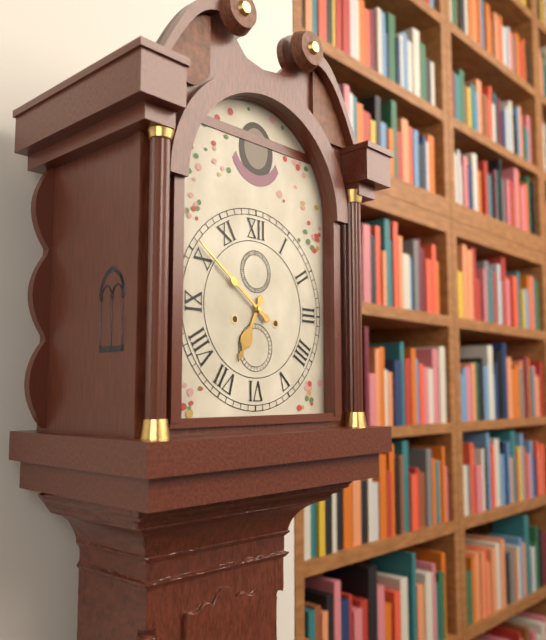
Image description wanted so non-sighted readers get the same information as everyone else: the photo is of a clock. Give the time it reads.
6:51
